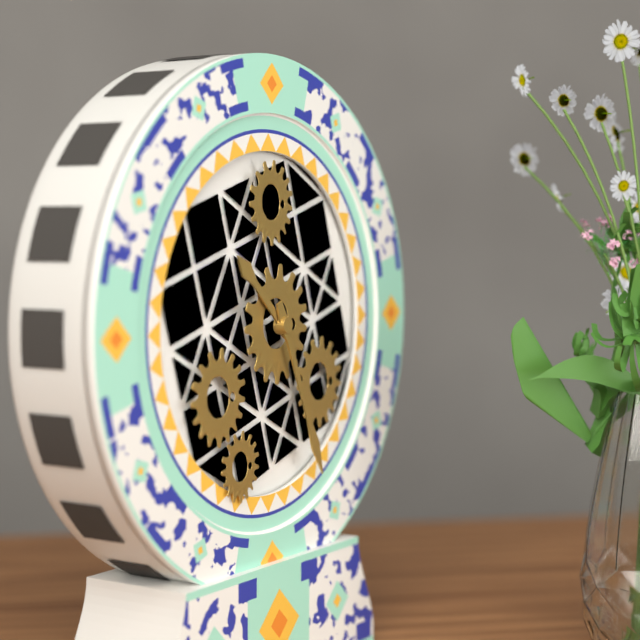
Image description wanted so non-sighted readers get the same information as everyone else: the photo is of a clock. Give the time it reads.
10:26
